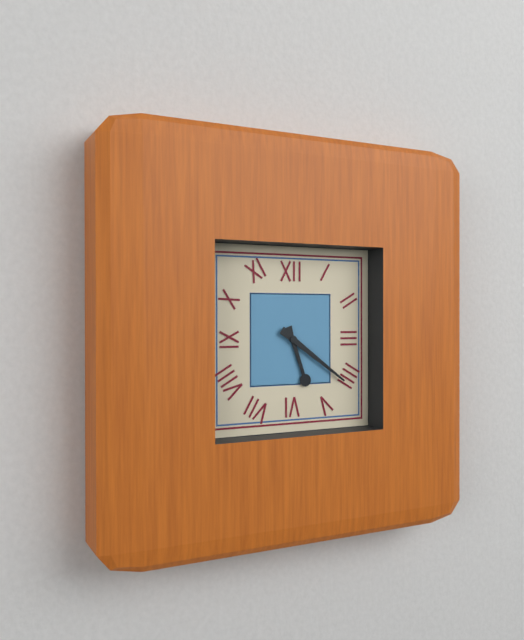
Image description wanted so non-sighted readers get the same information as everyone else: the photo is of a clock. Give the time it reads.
5:21
